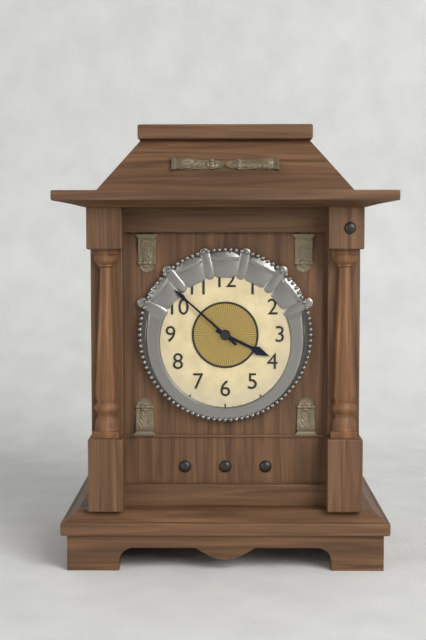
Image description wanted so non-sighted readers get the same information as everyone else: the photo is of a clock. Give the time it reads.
3:52
